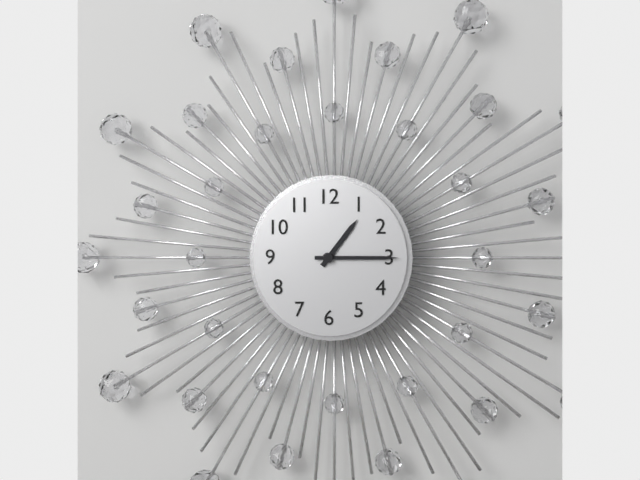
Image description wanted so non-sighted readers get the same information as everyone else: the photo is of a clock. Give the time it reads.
1:15
